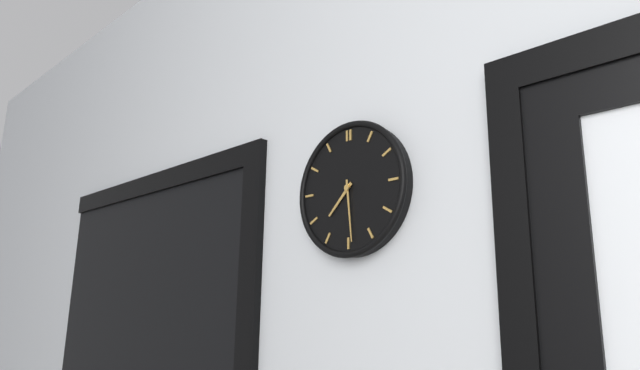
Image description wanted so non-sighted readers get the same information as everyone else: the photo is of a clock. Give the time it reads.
7:29
